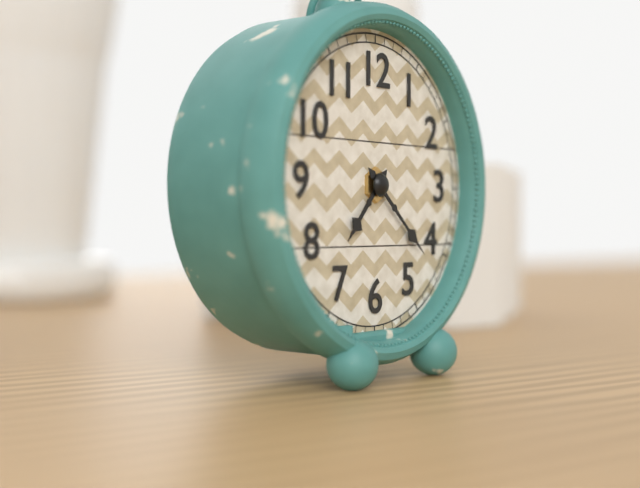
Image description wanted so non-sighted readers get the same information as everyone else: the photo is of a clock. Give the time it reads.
7:22
